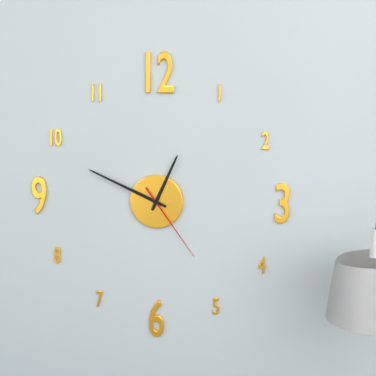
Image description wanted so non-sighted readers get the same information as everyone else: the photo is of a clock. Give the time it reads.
12:49:24
